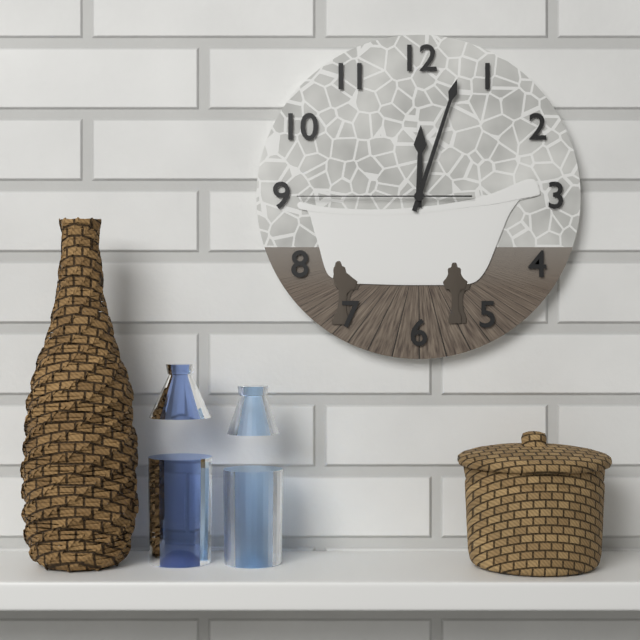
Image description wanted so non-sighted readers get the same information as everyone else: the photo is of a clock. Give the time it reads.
12:03:45
